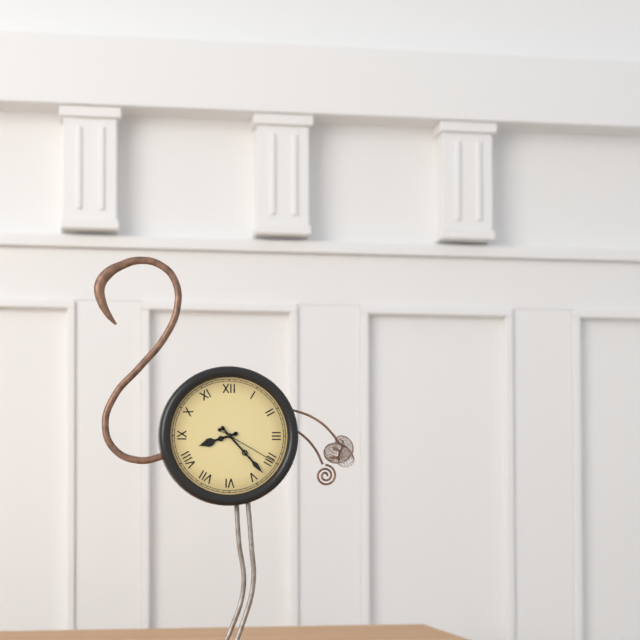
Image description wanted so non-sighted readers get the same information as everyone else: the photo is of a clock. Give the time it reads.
8:23:20
